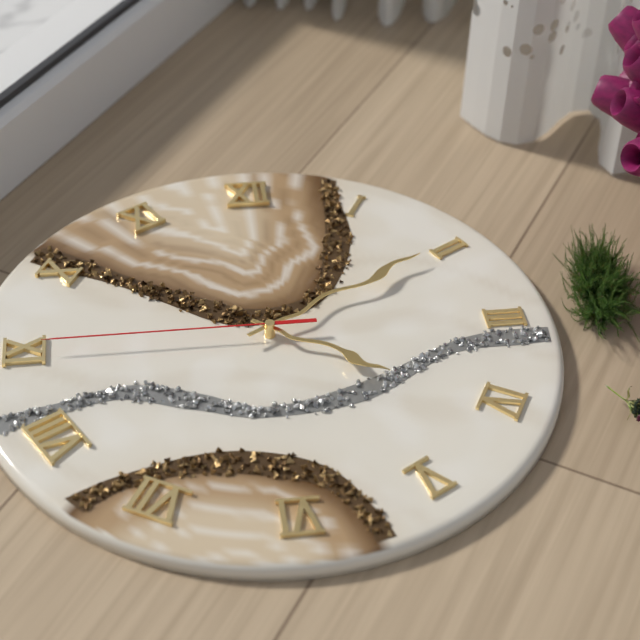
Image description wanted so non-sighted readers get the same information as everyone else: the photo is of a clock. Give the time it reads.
4:10:45
